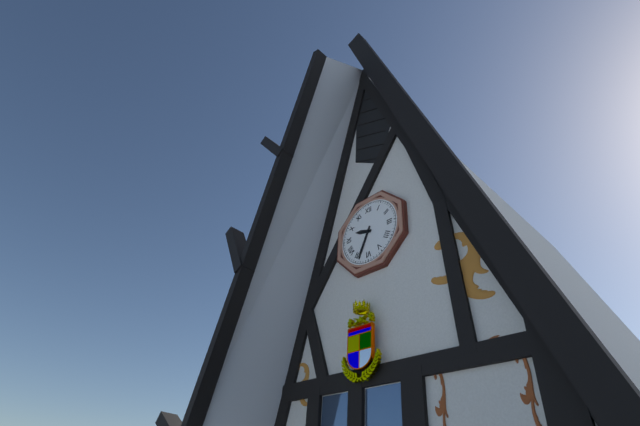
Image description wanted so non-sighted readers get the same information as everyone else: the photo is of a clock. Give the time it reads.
9:34
